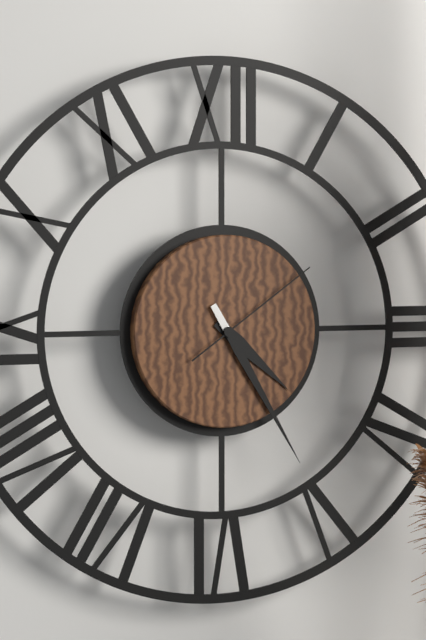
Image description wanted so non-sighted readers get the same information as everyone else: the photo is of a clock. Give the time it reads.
4:25:09
